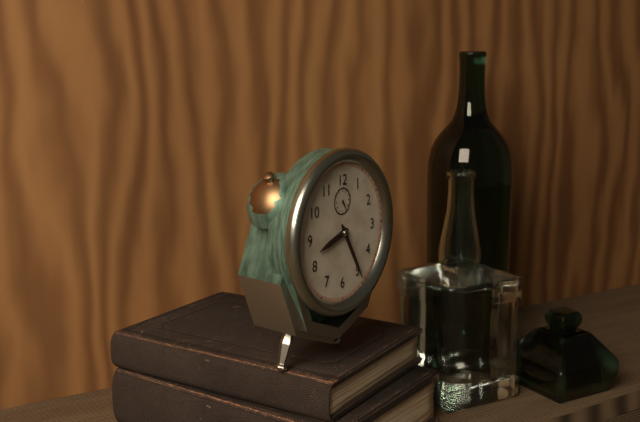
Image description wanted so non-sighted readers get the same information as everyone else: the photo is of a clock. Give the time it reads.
8:25
